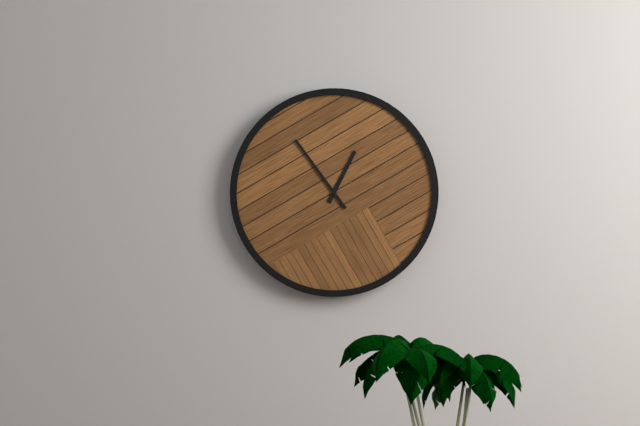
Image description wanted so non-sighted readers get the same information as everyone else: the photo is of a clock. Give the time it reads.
12:54
